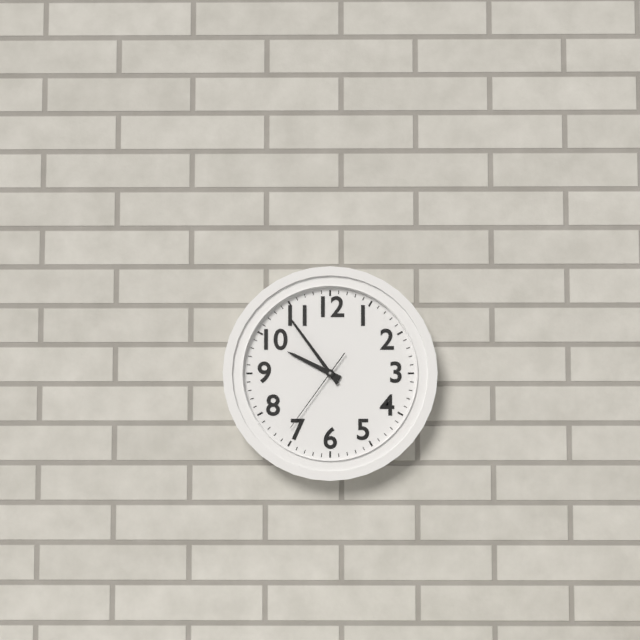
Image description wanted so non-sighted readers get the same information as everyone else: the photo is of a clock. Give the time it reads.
9:54:36
